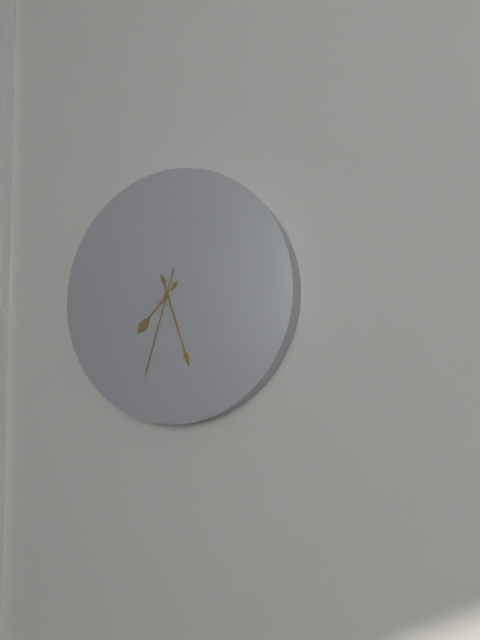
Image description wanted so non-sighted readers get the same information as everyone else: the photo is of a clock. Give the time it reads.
7:27:33
